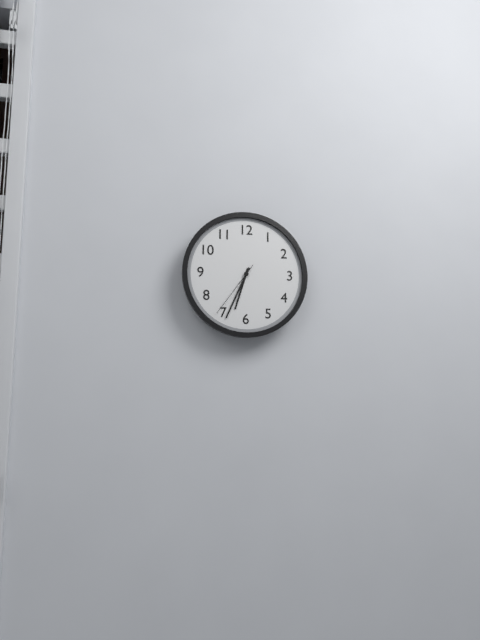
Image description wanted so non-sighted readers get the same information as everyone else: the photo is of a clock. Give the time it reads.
6:34:36
